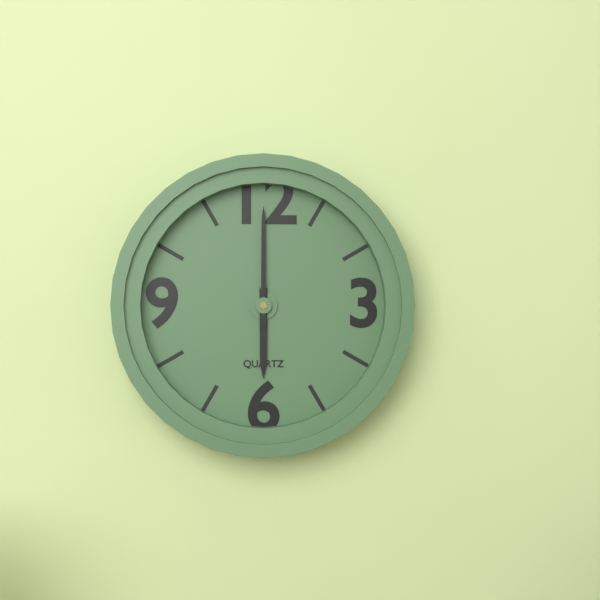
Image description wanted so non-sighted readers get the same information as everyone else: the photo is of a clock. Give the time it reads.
6:00
